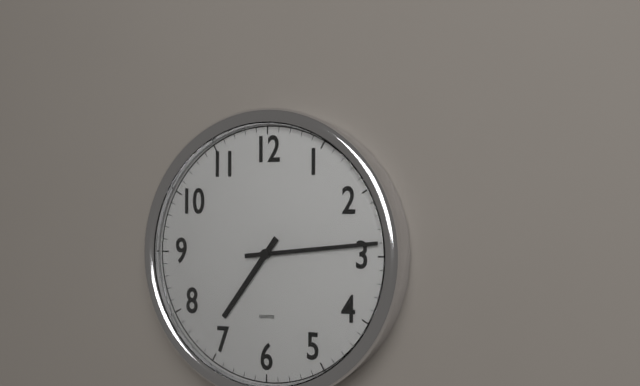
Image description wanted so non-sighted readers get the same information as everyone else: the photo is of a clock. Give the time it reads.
7:14
